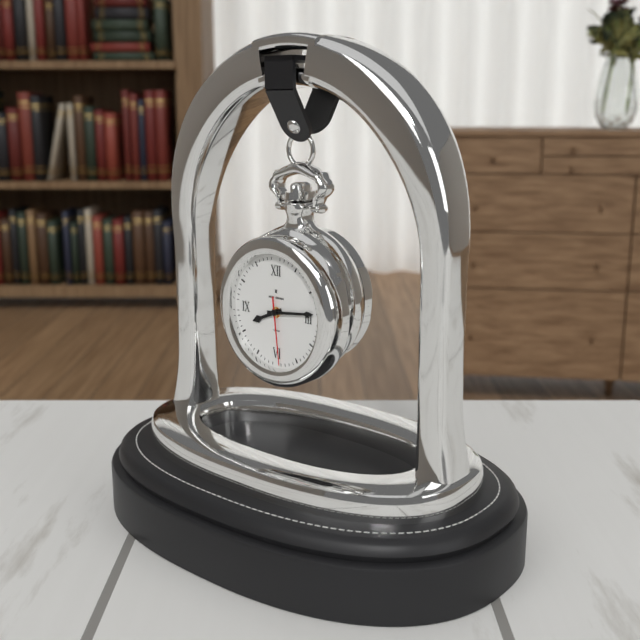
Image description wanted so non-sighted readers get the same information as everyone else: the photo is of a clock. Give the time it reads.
8:14:29
